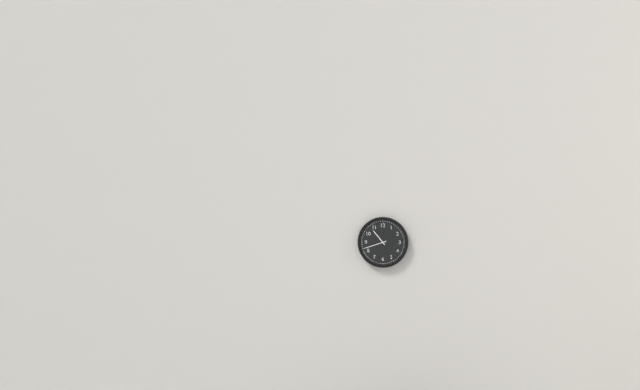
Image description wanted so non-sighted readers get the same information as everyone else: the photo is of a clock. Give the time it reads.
10:42
